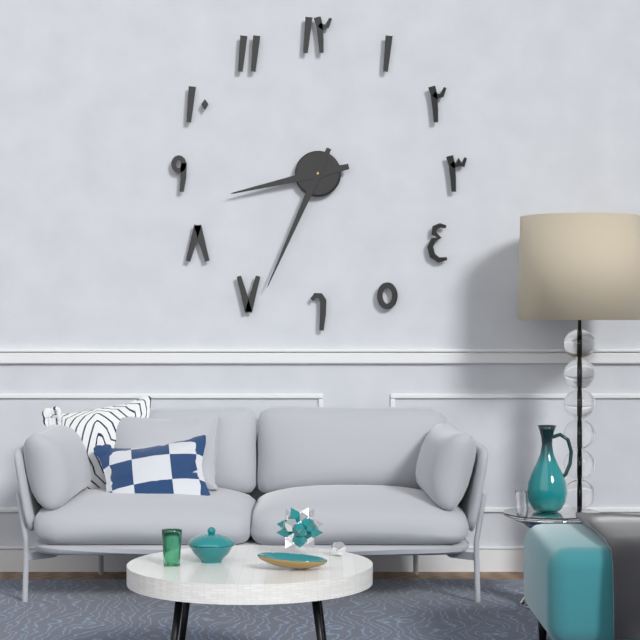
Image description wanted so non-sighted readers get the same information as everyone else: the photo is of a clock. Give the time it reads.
8:34
